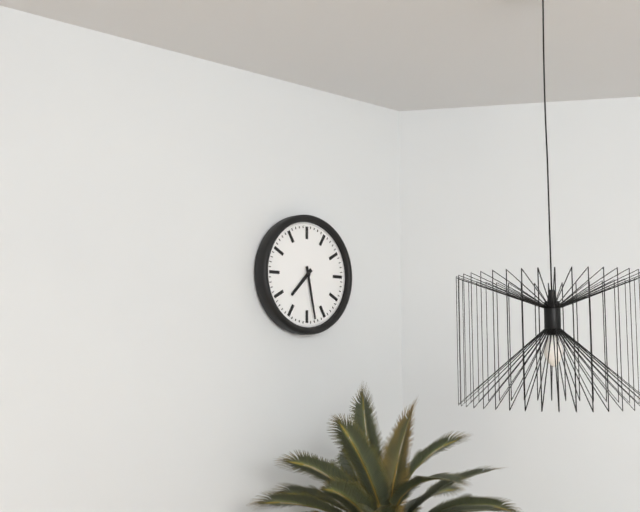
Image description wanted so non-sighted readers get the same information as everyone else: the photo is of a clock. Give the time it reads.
7:28
